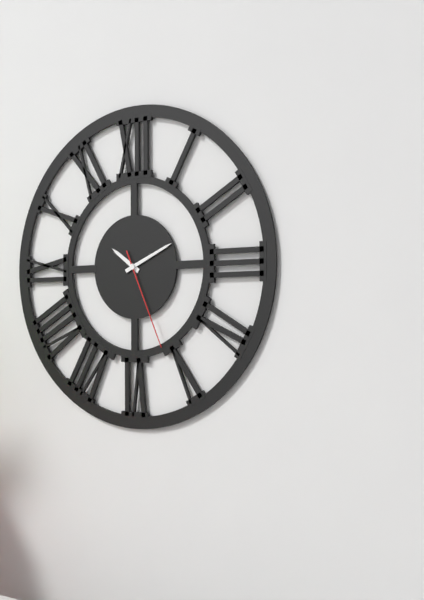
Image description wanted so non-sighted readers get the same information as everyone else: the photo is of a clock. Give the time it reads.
10:11:26
